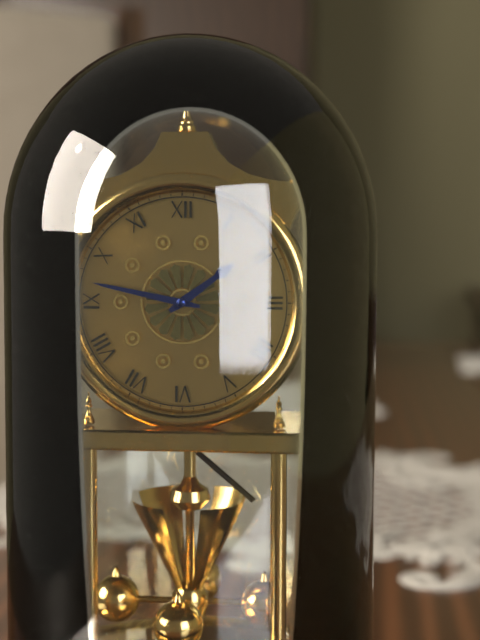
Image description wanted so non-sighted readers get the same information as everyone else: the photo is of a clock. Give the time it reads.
1:47
